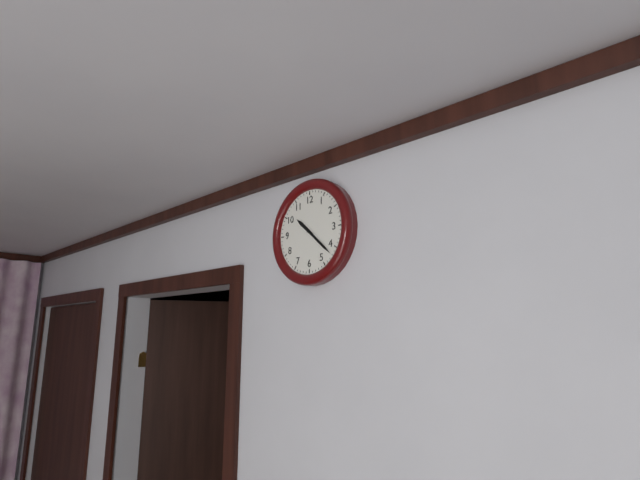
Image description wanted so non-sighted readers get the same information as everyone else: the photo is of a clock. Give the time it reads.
10:22
